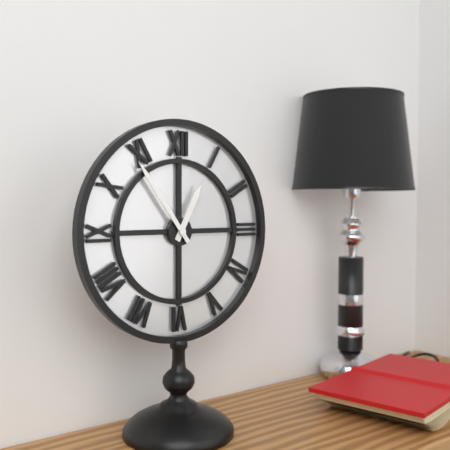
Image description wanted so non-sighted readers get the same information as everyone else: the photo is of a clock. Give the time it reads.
12:54
